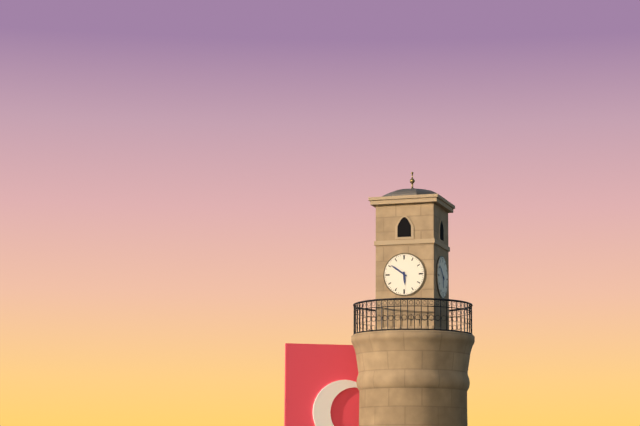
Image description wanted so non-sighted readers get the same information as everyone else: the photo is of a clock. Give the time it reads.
5:51
